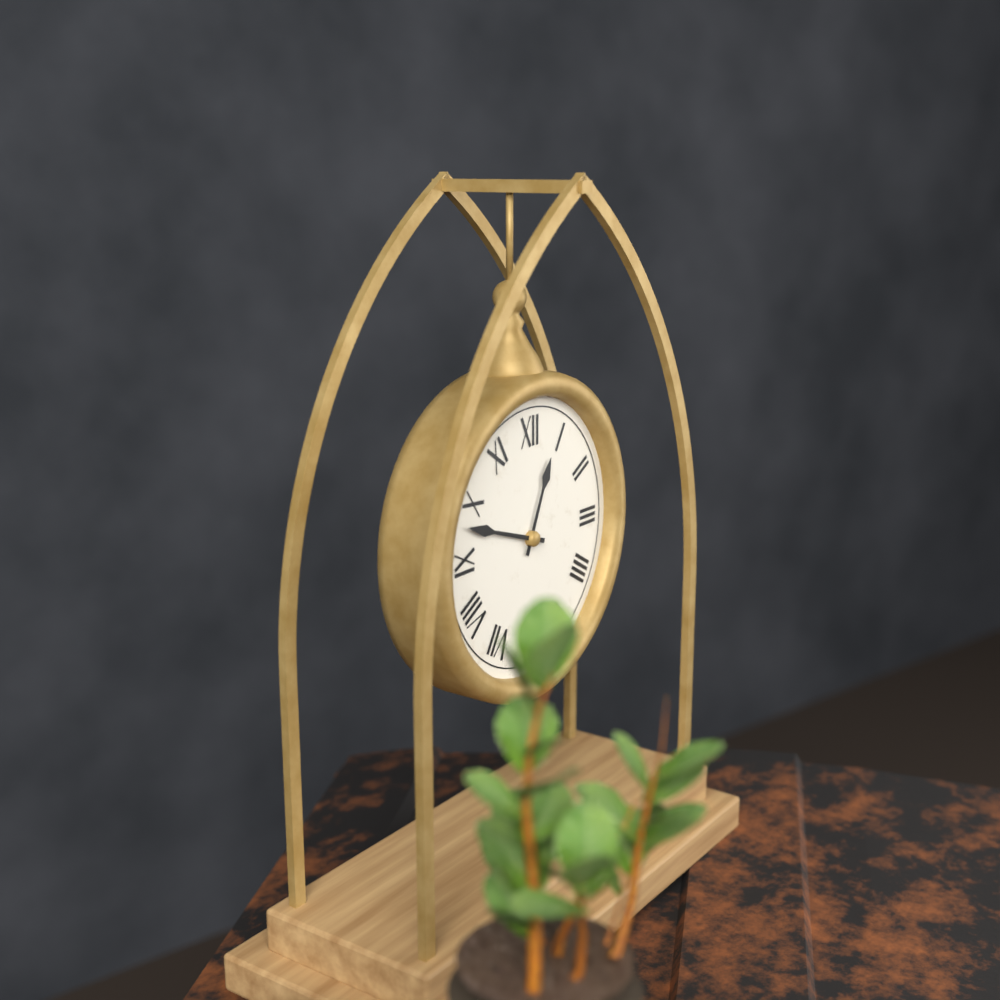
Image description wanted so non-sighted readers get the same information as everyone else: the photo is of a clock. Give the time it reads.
12:48
